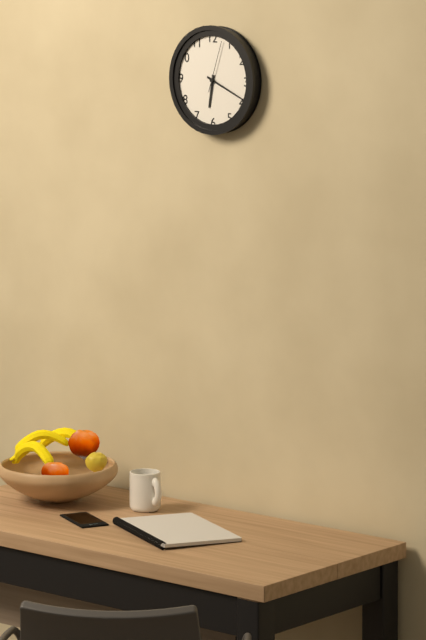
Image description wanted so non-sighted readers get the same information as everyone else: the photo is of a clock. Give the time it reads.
6:19:03
